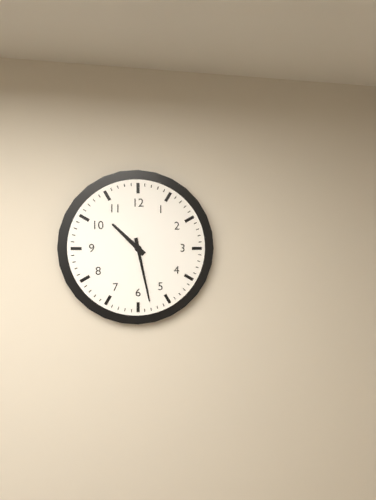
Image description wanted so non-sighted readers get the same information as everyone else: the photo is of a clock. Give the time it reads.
10:28
